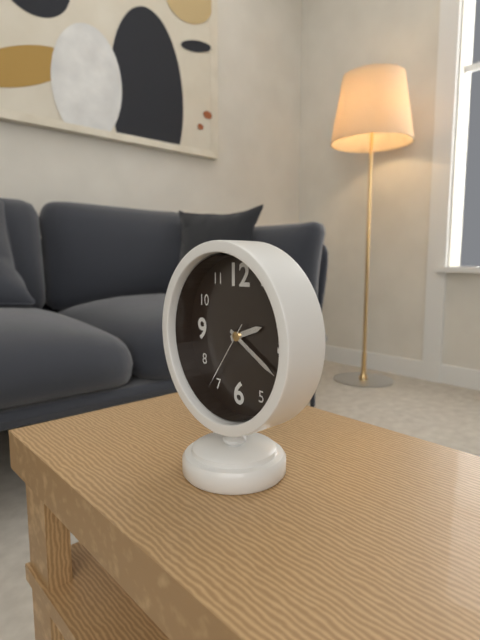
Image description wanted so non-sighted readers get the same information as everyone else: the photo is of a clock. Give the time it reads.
2:20:36
